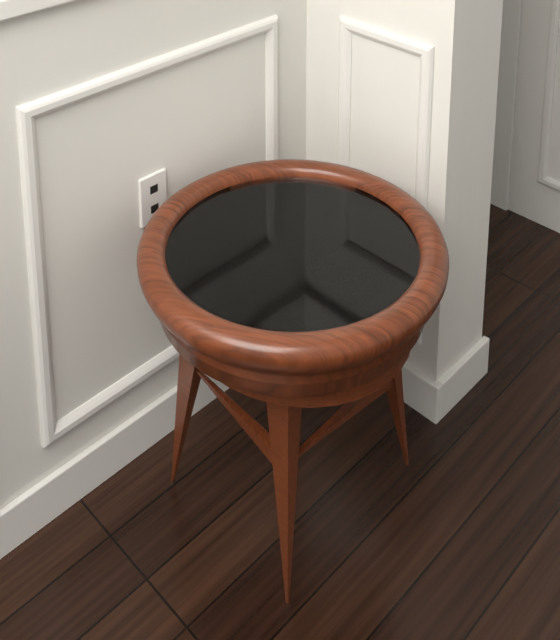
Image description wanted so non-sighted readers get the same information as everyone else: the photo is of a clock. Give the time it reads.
4:37
